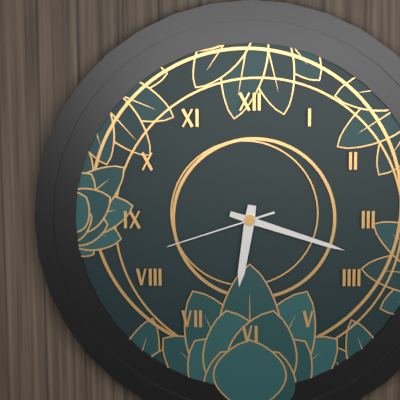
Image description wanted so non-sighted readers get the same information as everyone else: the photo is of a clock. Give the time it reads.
6:18:42
